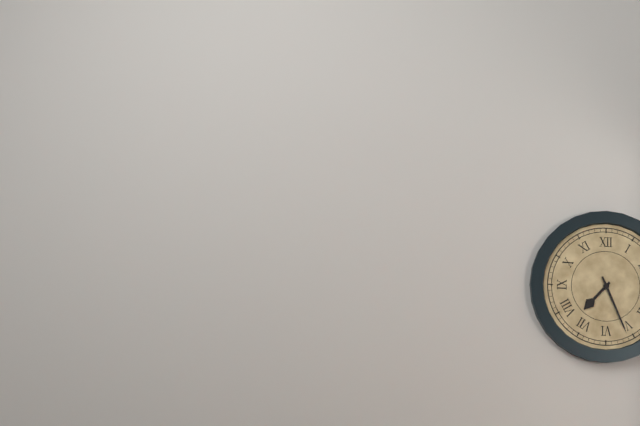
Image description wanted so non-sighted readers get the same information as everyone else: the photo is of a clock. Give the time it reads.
7:26
